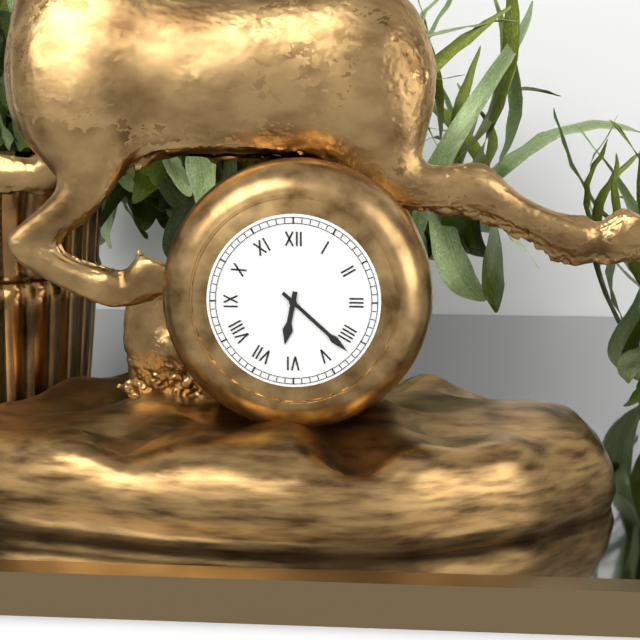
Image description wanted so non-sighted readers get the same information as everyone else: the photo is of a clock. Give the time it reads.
6:22
